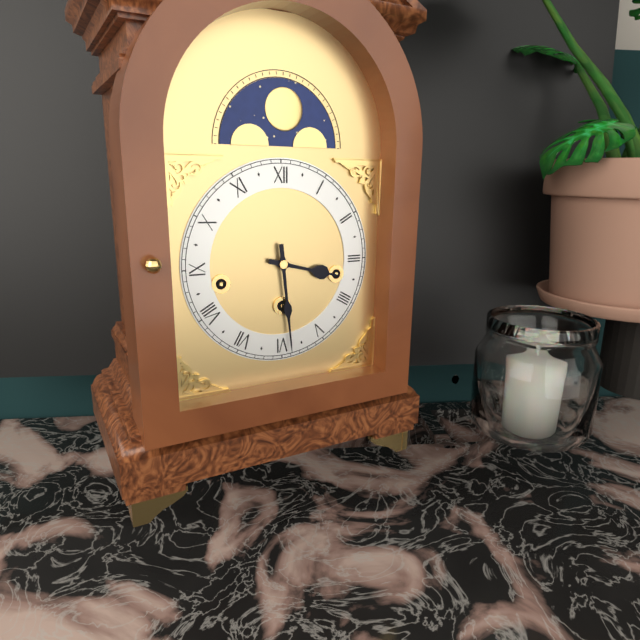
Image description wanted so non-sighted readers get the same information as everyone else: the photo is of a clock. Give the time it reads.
3:29
